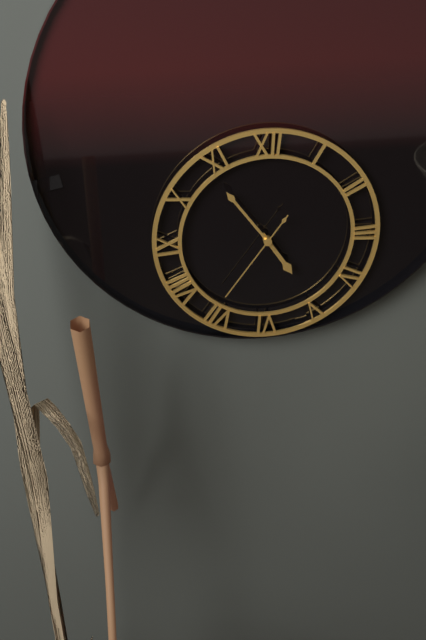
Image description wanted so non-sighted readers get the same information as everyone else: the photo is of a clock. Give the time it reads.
4:54:36
